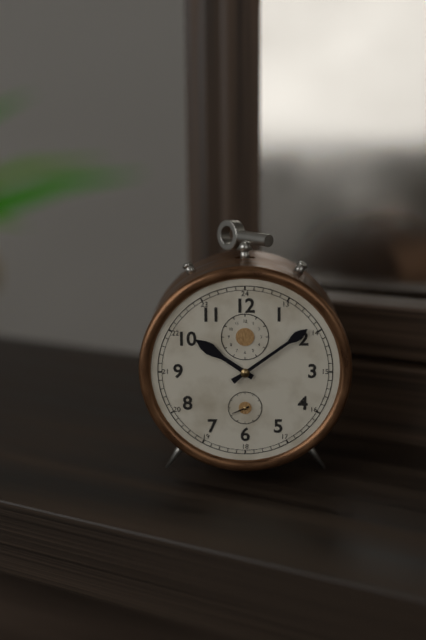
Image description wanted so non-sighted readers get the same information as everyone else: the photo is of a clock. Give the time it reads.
10:09
